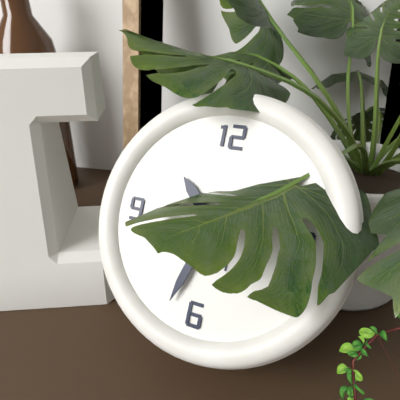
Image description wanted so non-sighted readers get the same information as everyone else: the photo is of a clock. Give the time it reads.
10:33
